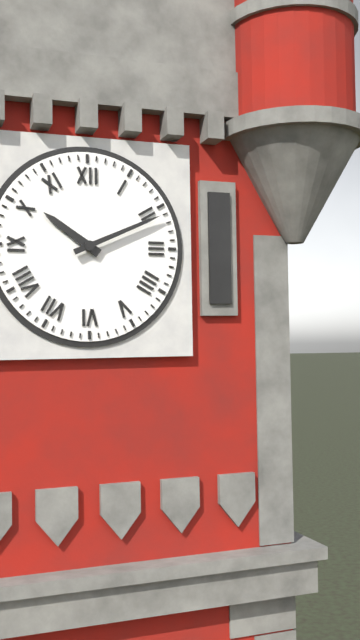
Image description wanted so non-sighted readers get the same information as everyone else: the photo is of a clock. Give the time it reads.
10:11
